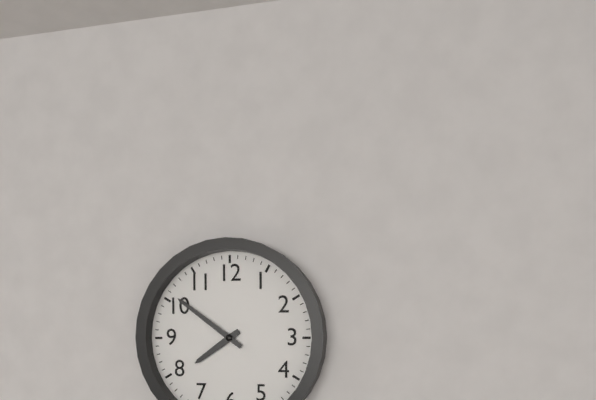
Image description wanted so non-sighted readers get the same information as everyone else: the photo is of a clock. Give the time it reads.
7:51
